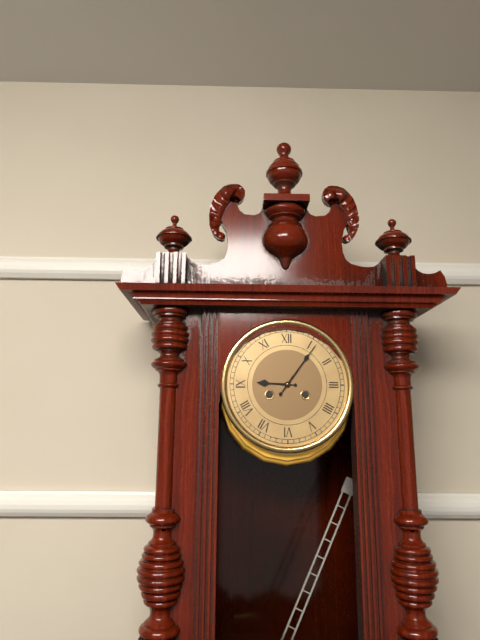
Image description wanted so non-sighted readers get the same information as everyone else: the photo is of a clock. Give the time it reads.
9:06
